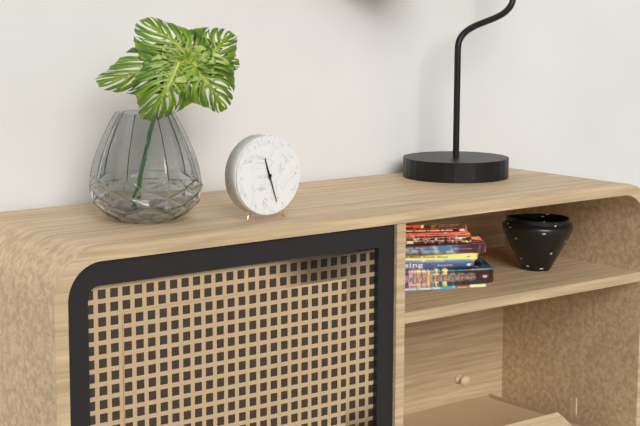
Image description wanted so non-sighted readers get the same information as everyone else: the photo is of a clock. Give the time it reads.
11:27
